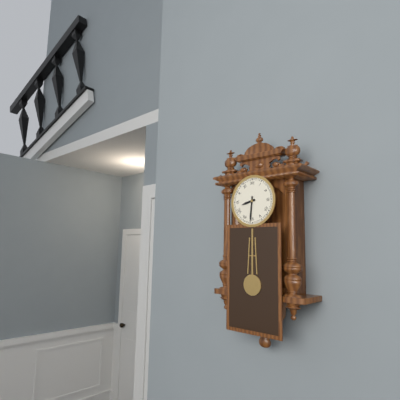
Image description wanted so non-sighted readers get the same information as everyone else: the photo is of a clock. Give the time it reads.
8:31
